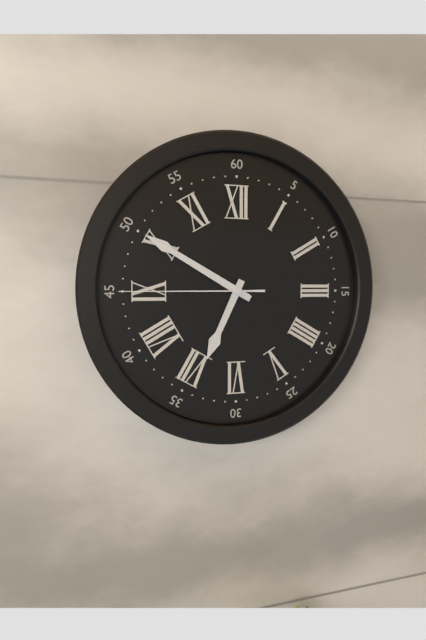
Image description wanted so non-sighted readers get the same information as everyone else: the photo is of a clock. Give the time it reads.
6:50:45
